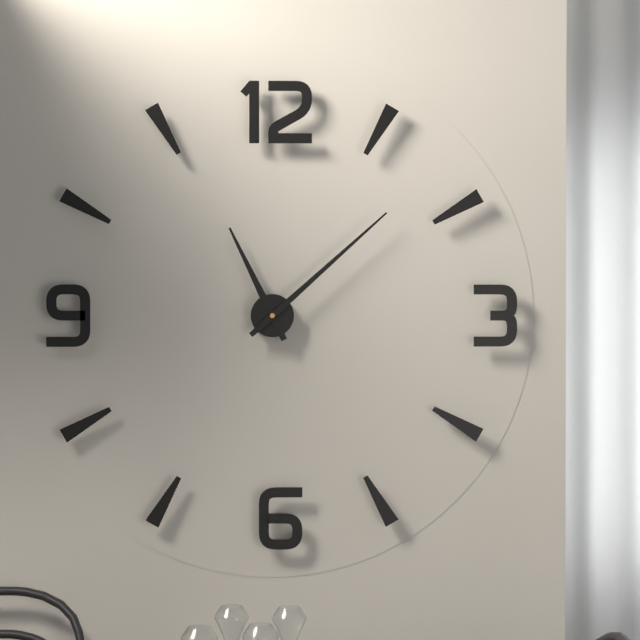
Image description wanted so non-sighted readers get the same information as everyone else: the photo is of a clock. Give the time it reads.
11:08
